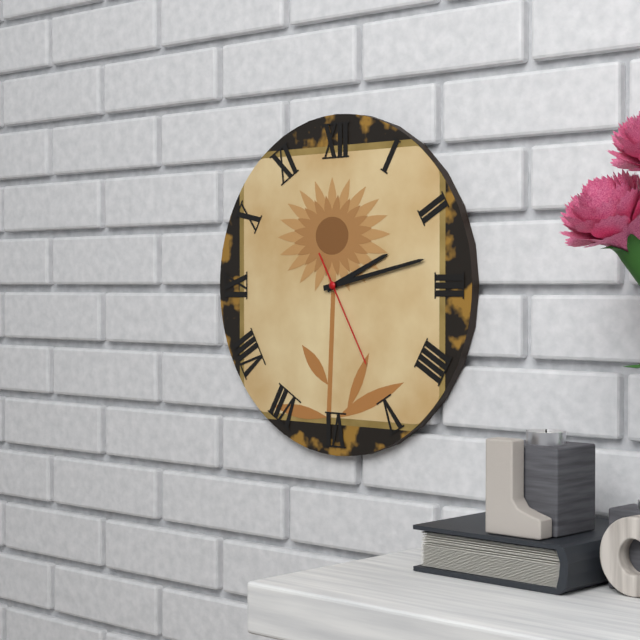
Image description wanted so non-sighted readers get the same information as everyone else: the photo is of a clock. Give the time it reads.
2:13:25
